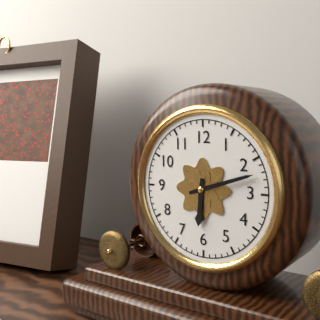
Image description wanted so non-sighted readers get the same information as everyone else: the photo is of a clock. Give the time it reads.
6:12
